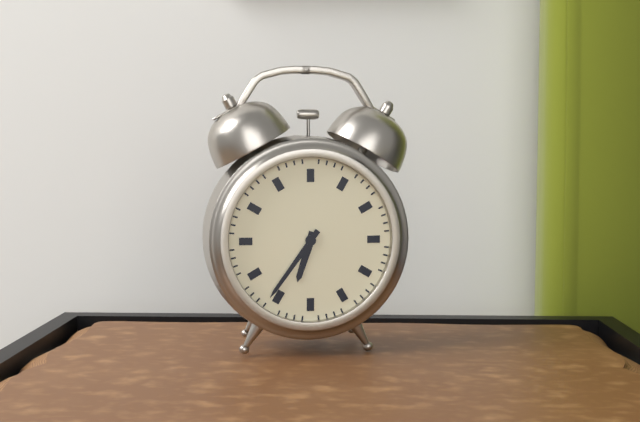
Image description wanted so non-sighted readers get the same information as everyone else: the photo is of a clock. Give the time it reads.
6:36
